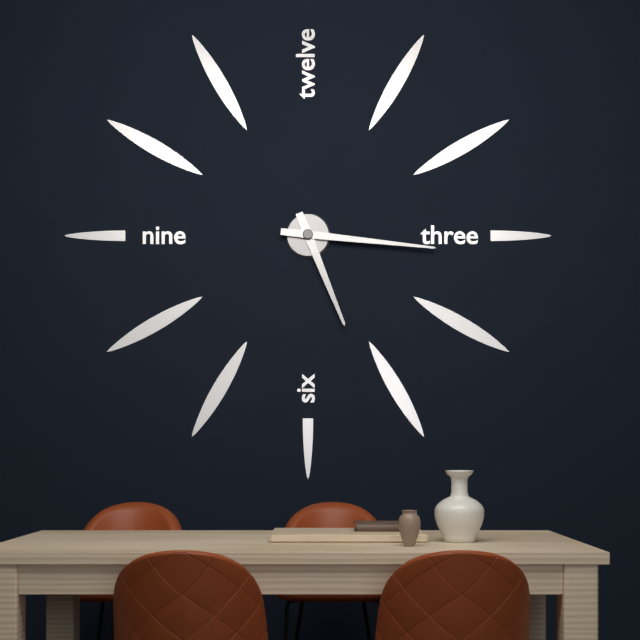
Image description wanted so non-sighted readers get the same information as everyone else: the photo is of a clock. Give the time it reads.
5:16
